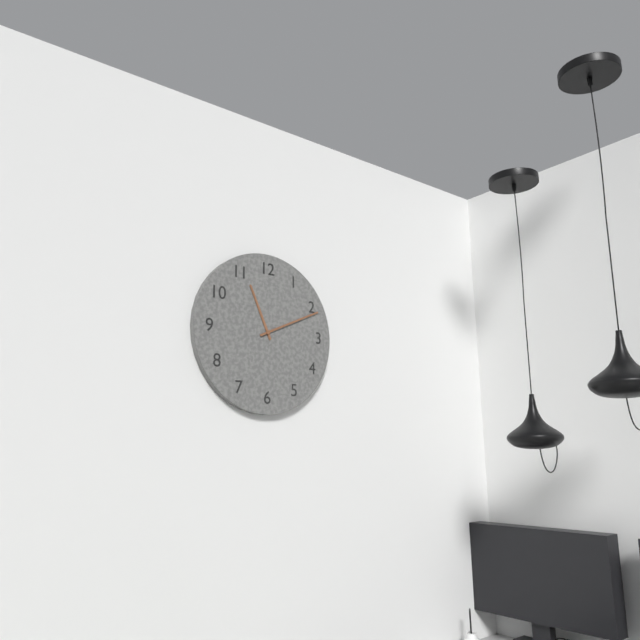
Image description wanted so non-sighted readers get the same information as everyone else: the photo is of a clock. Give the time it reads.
11:11
